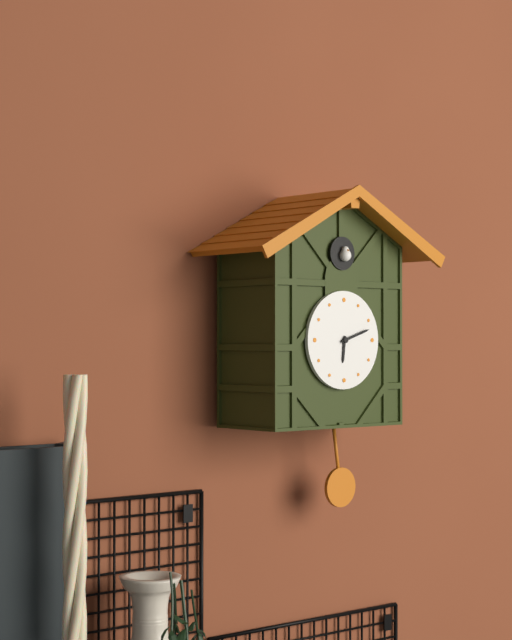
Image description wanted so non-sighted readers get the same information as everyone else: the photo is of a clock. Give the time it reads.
6:12
